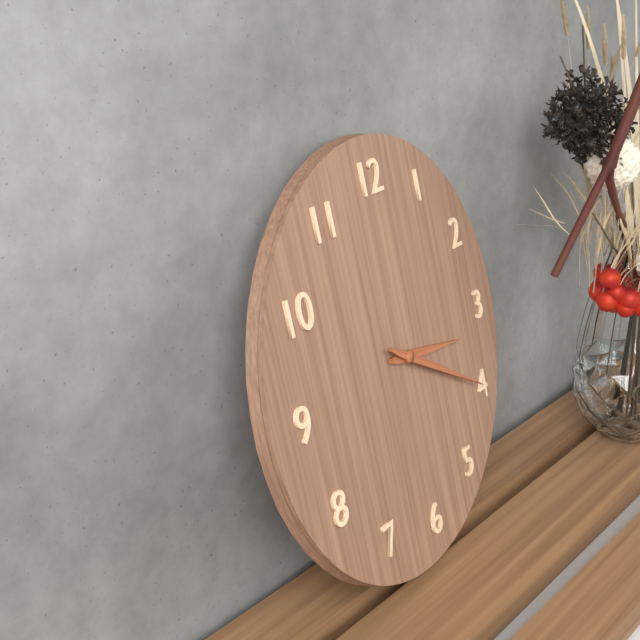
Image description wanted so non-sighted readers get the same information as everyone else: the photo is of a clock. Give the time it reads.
3:20
